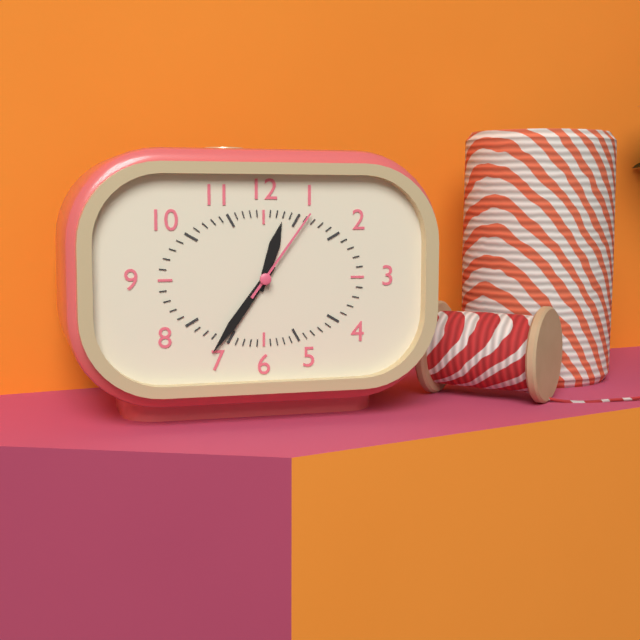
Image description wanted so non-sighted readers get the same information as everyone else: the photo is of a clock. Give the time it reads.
12:36:06
